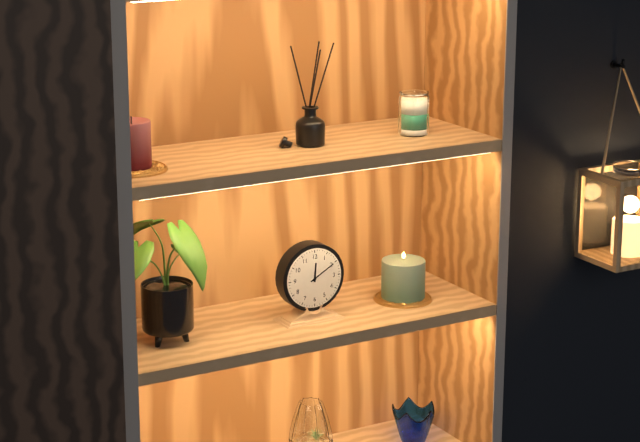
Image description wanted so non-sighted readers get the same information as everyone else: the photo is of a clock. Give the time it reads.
12:10
